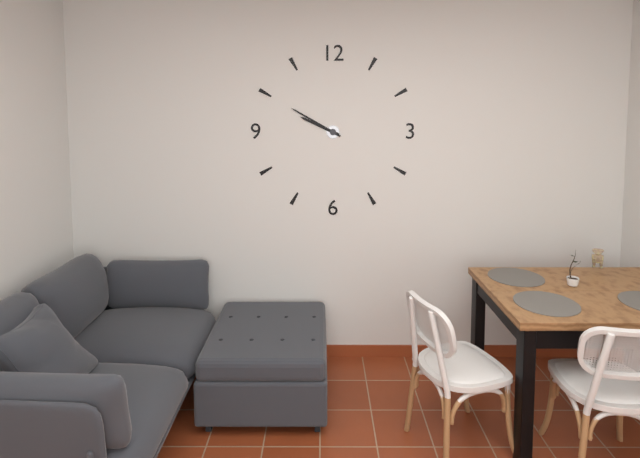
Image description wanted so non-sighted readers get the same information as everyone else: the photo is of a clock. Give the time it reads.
9:50
